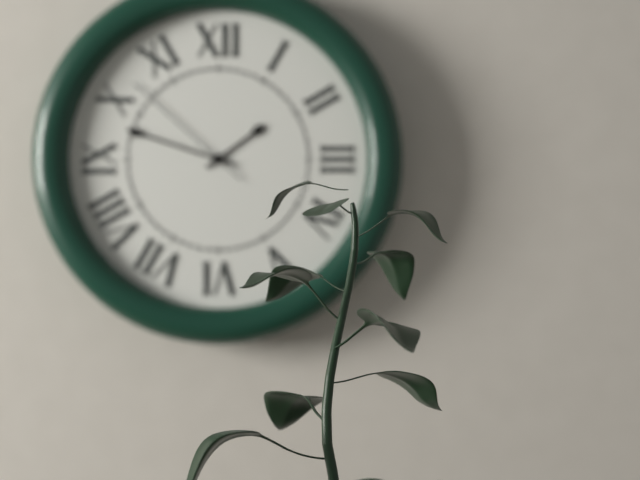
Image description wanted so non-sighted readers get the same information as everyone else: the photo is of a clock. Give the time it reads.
1:48:52
